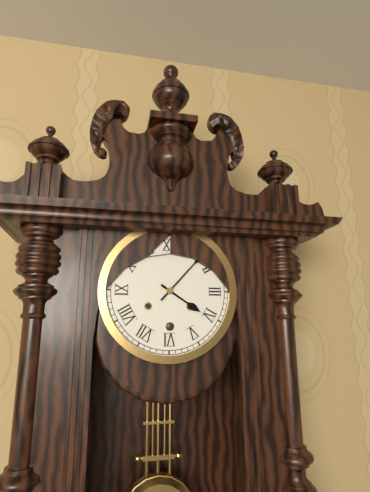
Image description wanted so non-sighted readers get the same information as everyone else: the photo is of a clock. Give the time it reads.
4:07
